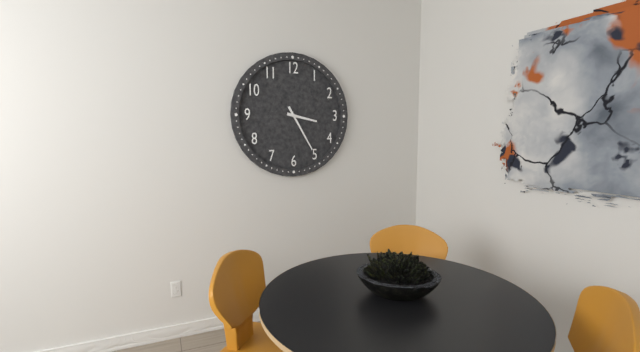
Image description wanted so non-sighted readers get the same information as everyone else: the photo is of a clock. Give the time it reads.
3:25
